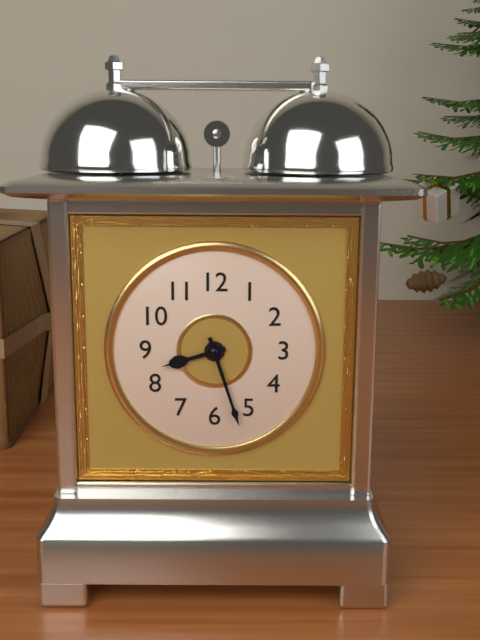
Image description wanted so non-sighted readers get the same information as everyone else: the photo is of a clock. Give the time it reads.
8:27
